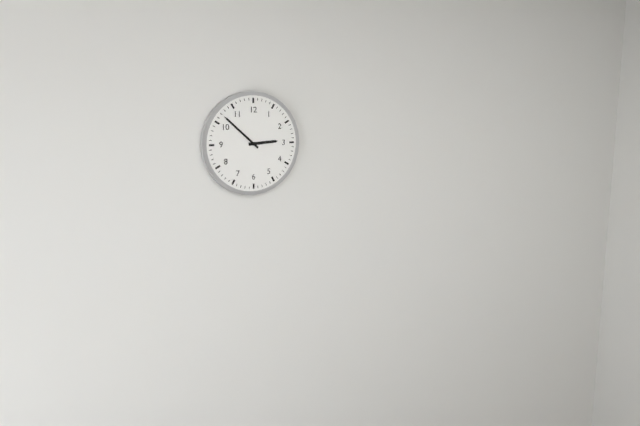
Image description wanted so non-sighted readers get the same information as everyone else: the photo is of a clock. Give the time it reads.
2:52
